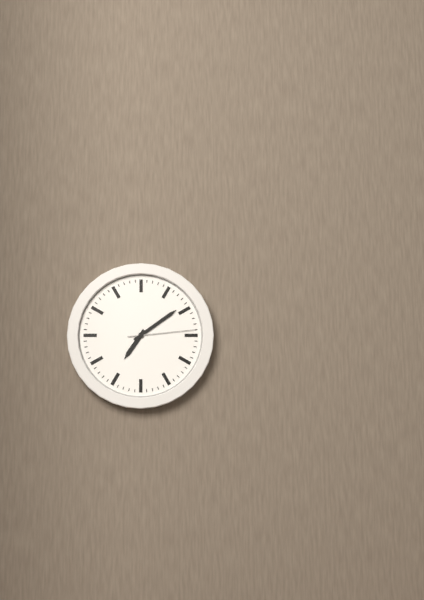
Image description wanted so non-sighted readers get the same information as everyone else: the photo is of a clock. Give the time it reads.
7:09:14
